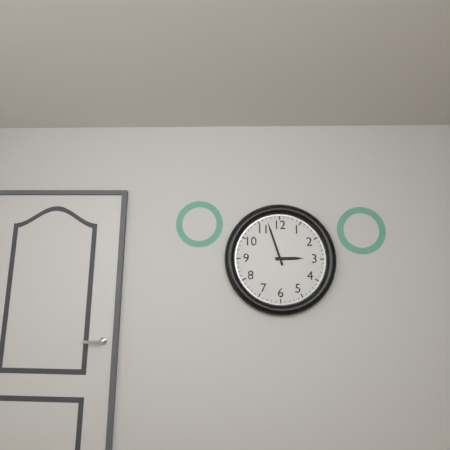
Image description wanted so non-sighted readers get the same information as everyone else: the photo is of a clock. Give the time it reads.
2:57
